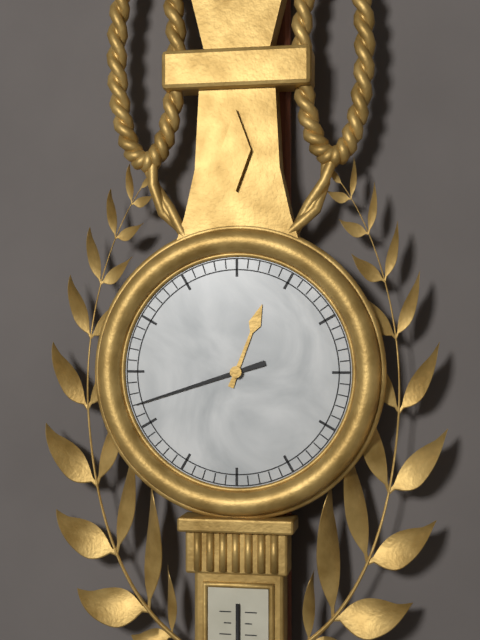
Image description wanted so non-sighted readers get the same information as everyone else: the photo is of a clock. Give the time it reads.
12:42
